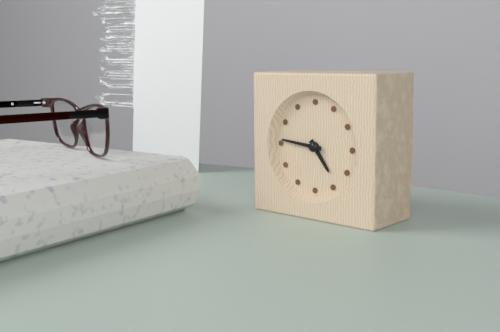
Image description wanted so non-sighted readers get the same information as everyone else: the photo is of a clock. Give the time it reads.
4:46
